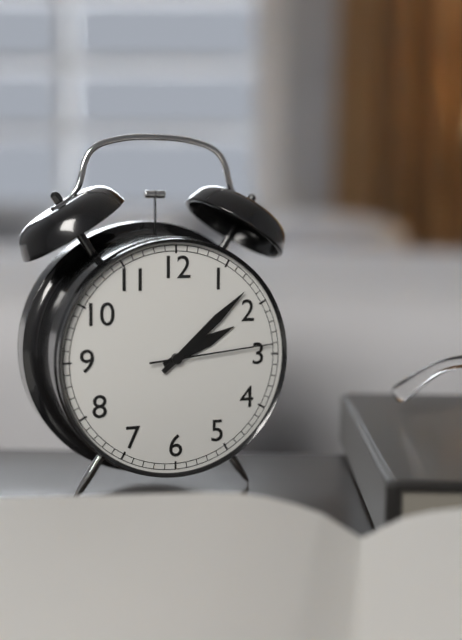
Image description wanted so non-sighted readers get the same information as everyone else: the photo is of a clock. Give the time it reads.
2:08:14
